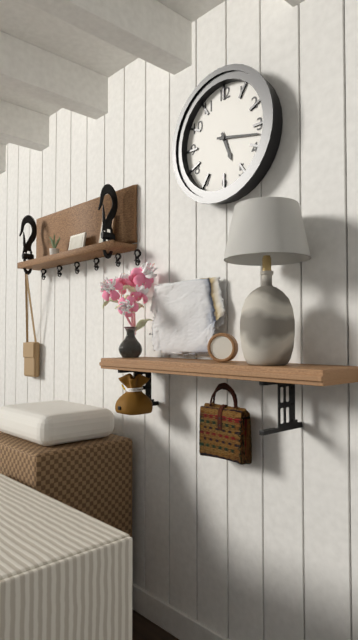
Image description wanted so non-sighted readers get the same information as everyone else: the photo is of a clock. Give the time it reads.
5:17
